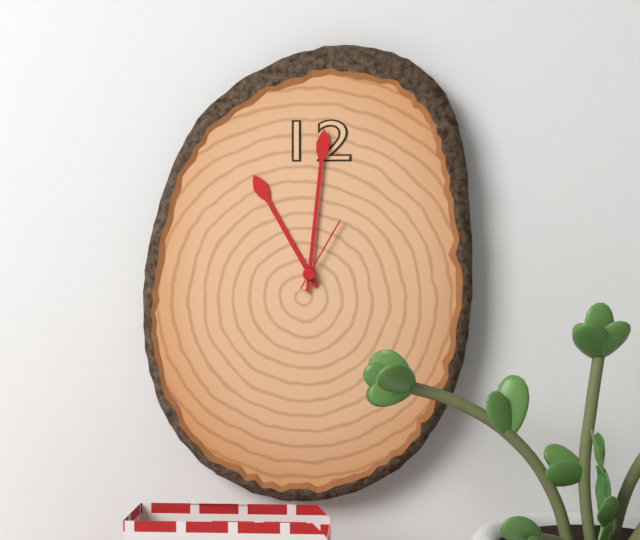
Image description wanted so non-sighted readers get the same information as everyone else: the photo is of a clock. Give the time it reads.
11:01:05
